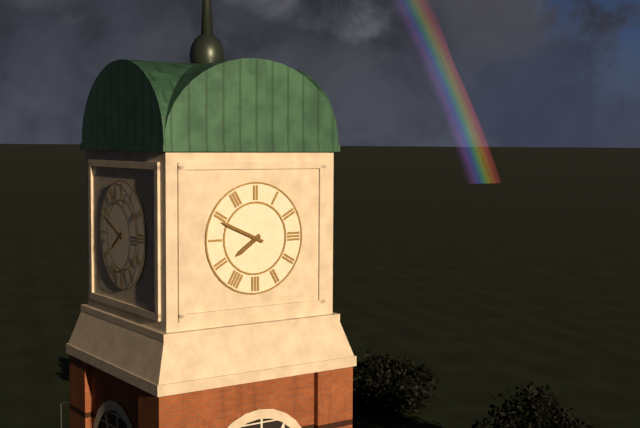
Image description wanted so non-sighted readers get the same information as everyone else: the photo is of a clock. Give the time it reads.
7:49
